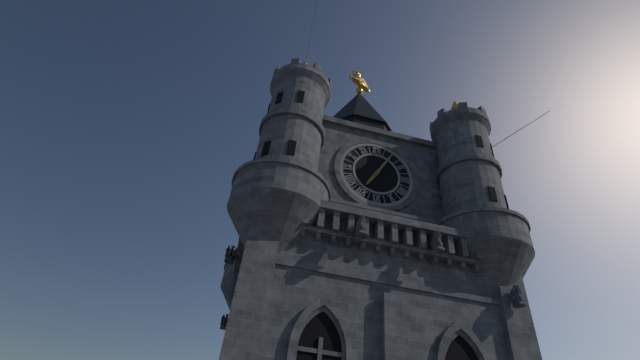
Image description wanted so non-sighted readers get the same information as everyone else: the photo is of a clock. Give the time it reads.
7:05
